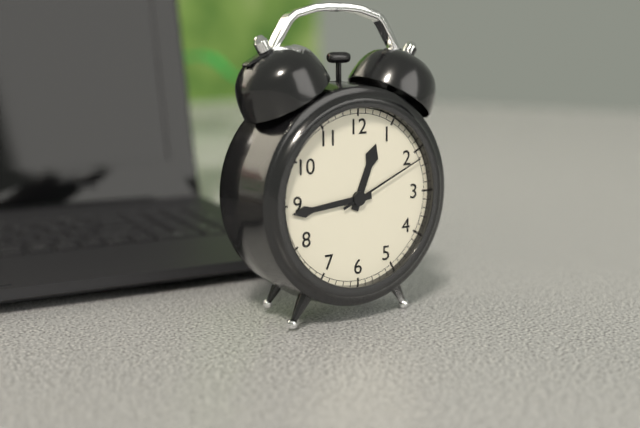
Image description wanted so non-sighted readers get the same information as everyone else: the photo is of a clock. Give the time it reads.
12:44:11
